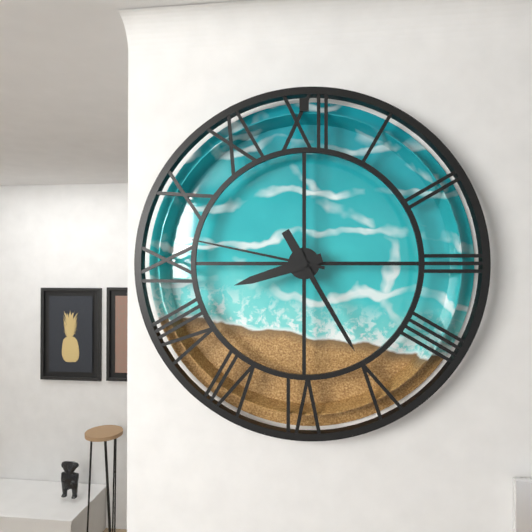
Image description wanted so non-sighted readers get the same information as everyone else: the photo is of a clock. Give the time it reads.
8:25:47
